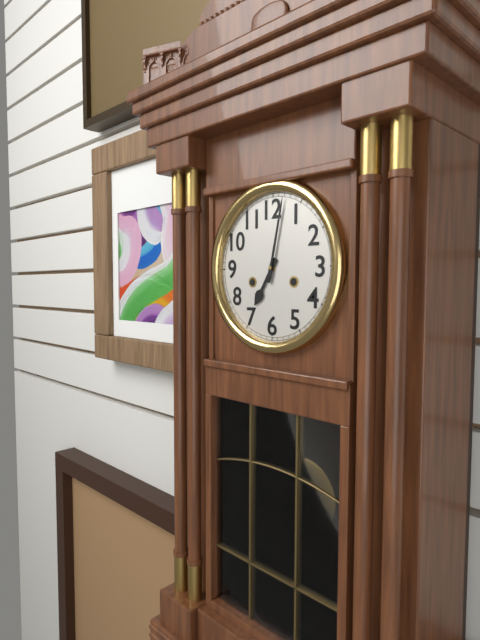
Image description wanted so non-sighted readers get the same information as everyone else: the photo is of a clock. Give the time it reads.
7:02
